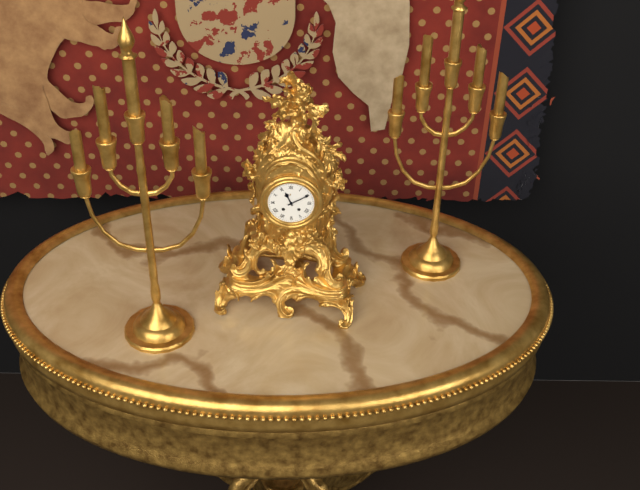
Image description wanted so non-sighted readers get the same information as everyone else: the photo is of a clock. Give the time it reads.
11:10
